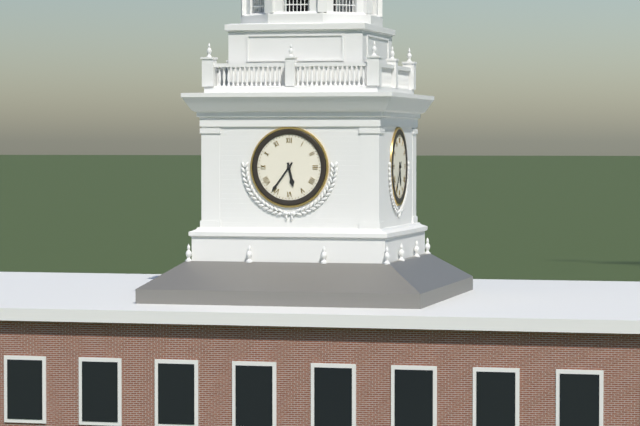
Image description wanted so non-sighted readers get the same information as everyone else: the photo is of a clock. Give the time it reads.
5:36
